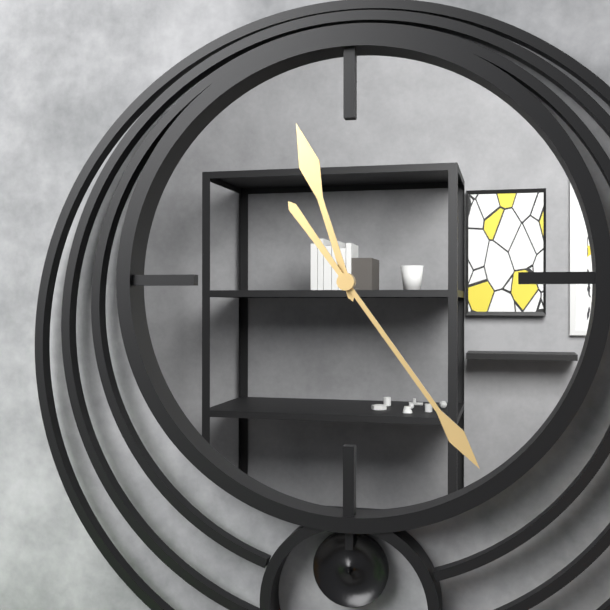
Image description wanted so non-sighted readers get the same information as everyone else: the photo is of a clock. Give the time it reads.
11:24
